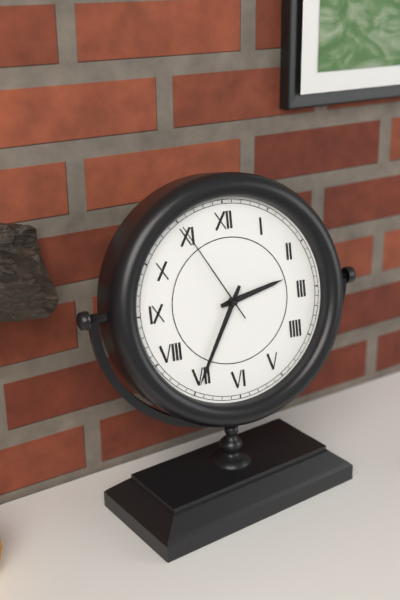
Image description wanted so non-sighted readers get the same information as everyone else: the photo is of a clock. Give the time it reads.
2:35:55
